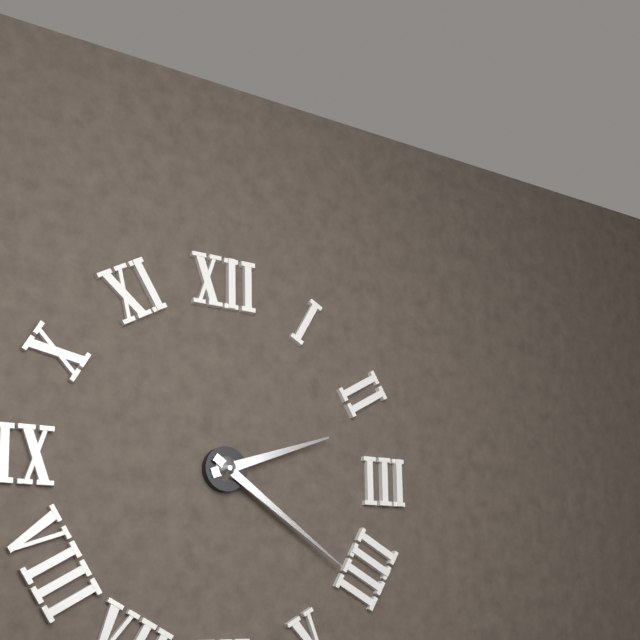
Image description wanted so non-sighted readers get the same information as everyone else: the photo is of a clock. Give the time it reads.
2:21
